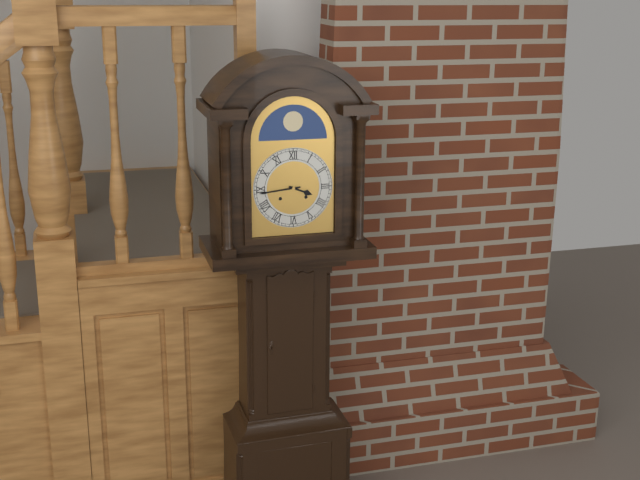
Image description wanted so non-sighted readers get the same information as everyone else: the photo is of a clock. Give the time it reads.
3:44
